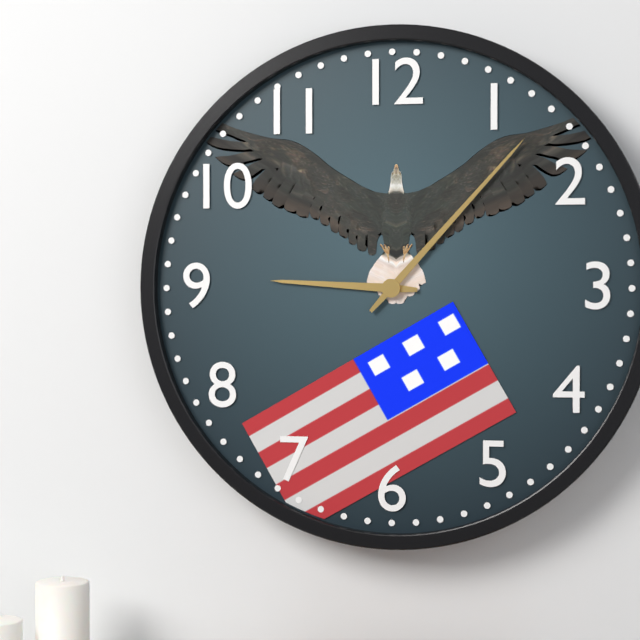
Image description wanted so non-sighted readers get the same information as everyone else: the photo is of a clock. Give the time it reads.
9:07
